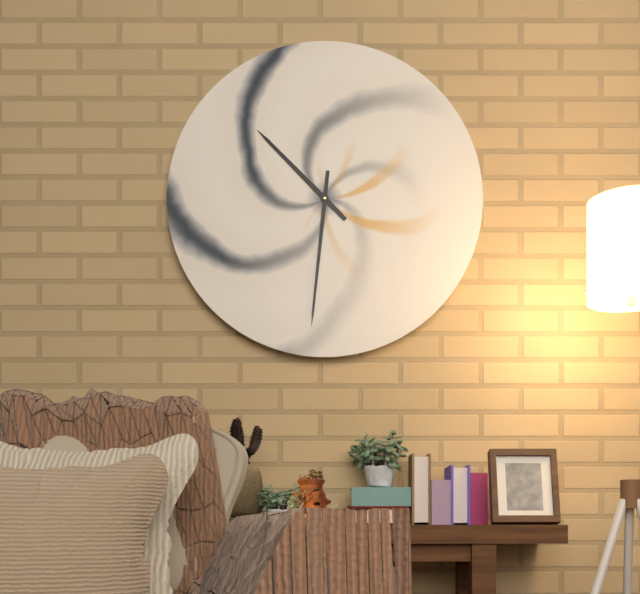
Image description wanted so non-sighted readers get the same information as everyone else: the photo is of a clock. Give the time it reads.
10:31
